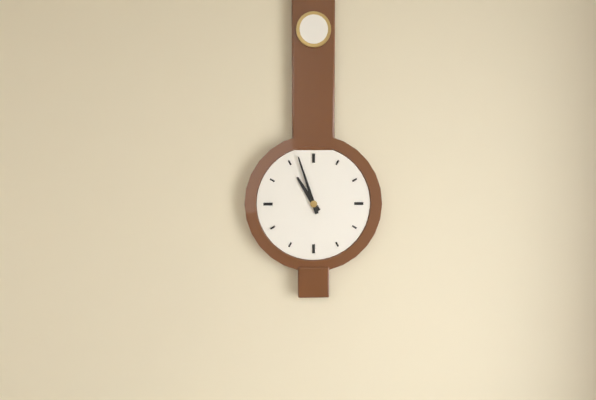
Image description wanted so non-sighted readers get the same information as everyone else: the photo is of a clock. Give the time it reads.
10:57
